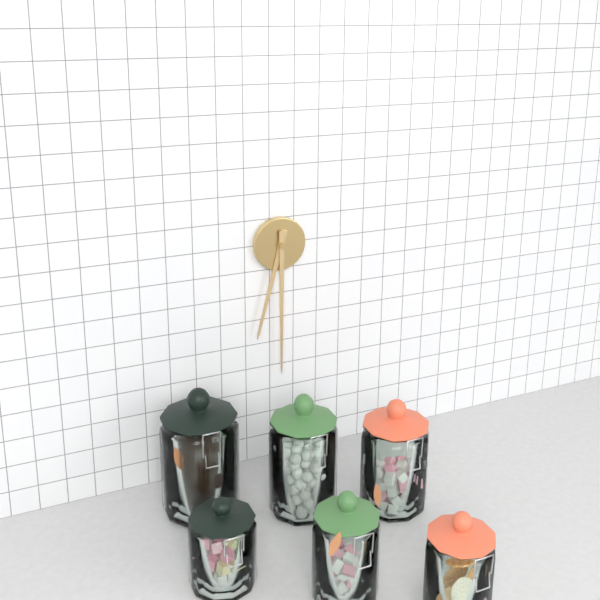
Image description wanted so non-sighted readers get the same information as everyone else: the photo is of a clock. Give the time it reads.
6:30
